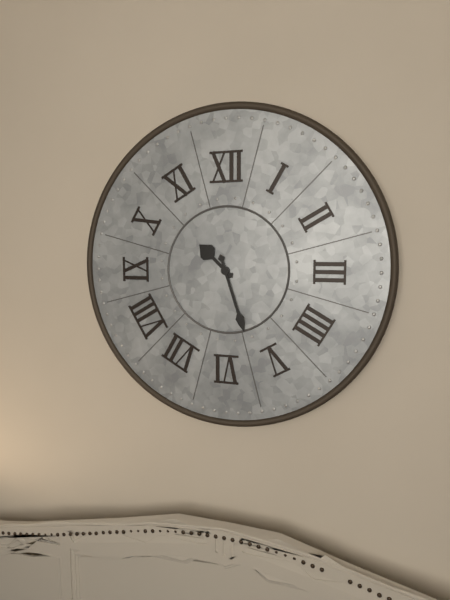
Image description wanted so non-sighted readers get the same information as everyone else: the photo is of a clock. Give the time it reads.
10:27
